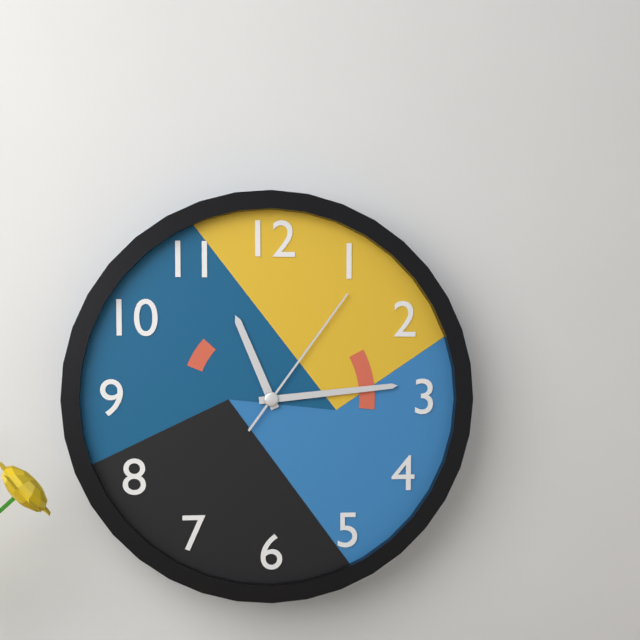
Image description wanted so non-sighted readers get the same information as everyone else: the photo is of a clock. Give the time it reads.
11:14:06
